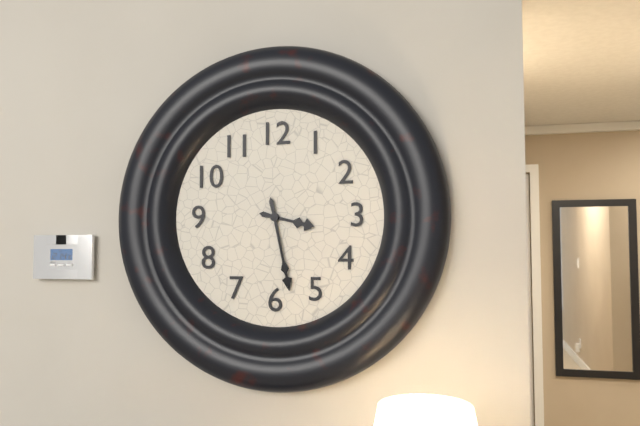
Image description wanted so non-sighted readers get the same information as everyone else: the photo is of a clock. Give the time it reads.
3:28
